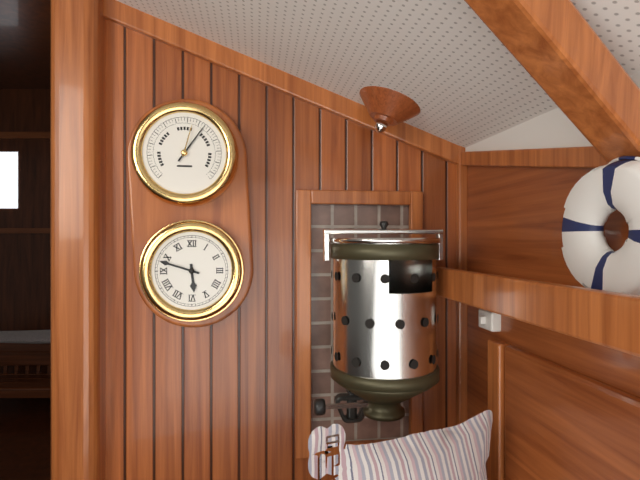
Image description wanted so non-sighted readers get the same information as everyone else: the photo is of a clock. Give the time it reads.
5:48
